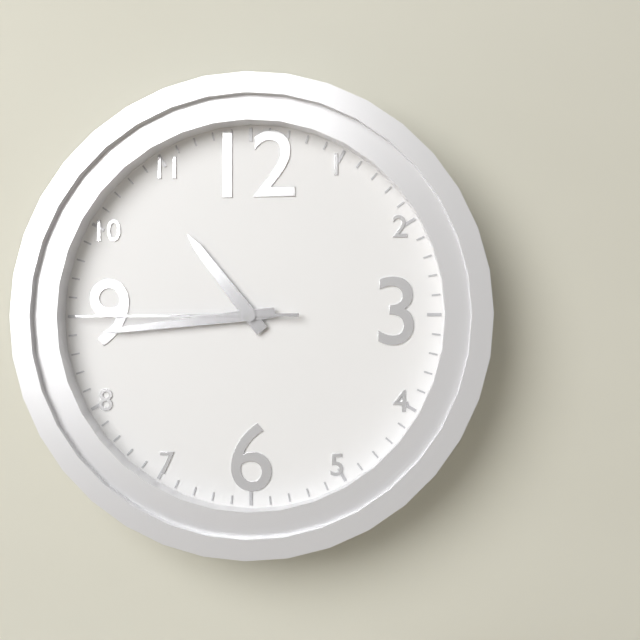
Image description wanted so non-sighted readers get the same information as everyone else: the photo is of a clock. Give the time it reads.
10:44:45
